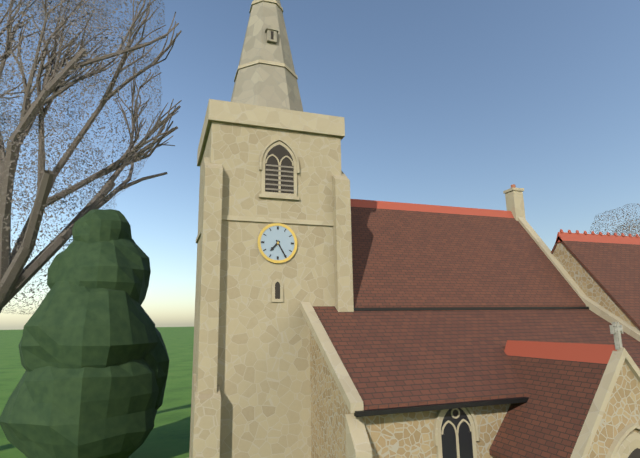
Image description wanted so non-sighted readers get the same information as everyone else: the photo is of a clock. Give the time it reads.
7:25
